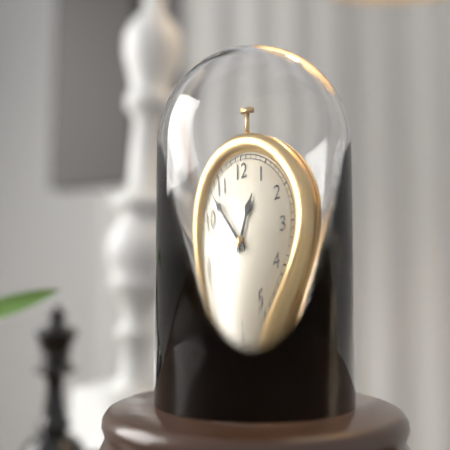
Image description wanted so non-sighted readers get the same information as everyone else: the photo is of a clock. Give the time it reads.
12:53
